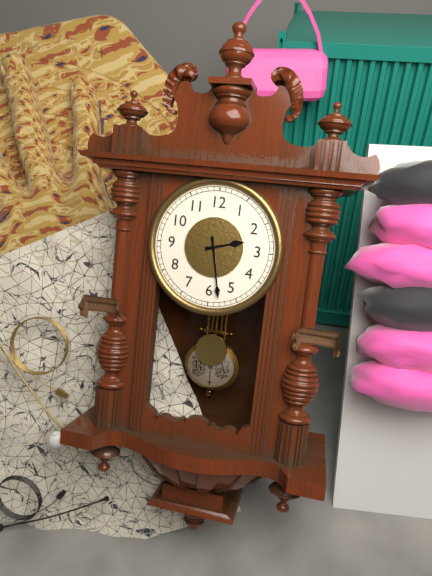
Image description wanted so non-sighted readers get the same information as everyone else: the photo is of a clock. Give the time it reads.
2:28
